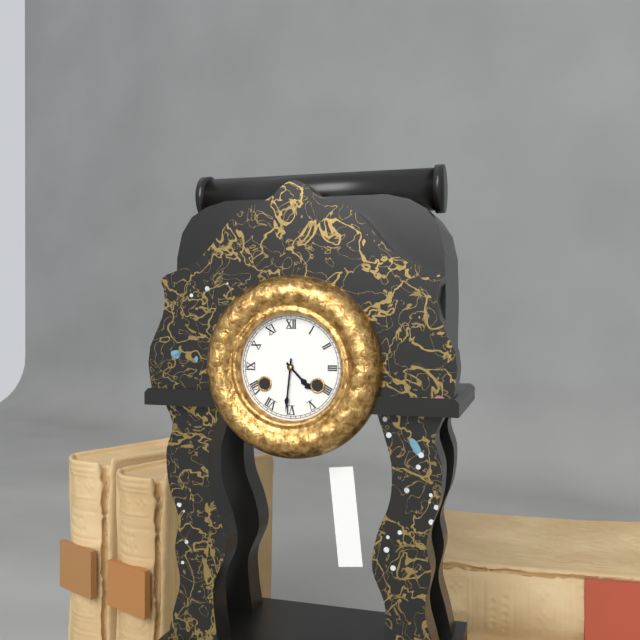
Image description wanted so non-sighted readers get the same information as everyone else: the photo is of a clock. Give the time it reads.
4:31
